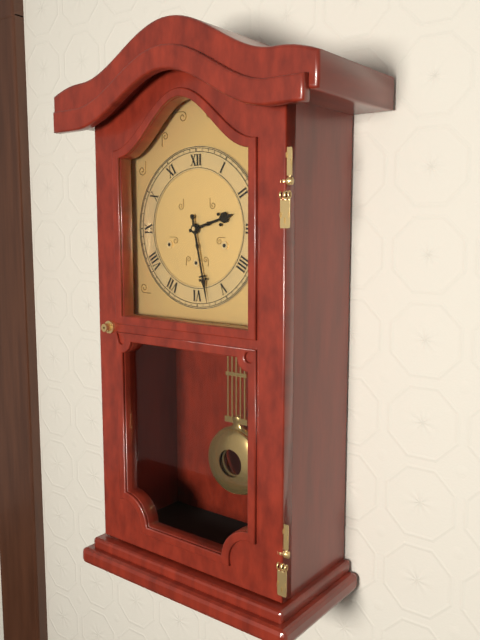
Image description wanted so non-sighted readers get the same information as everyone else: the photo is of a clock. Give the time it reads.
2:28
